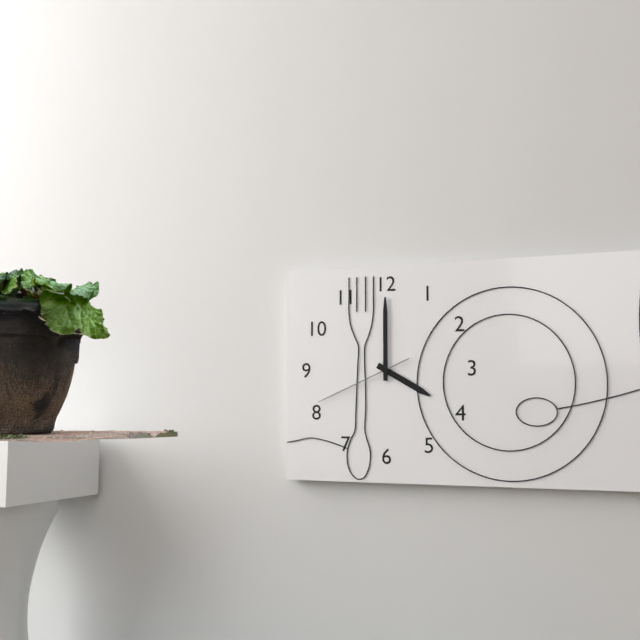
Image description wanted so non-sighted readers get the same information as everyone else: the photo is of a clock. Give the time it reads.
4:00:41
